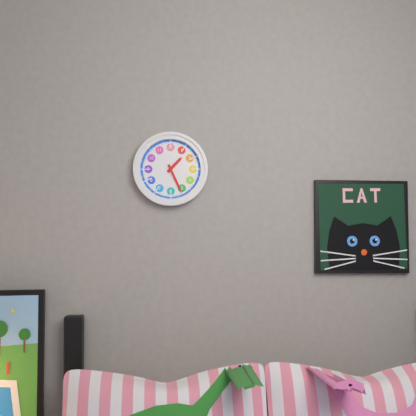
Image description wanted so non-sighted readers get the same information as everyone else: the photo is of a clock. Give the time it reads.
1:26
